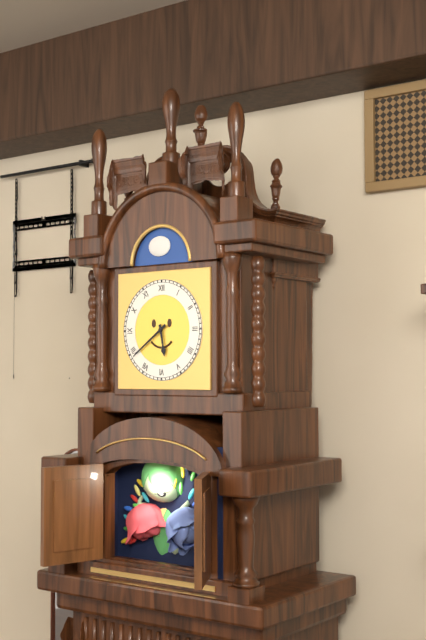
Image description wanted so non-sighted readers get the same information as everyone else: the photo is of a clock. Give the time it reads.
5:39
